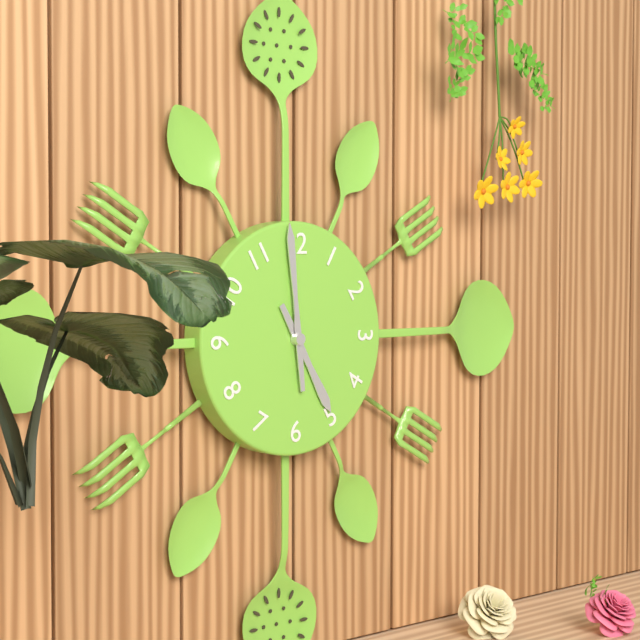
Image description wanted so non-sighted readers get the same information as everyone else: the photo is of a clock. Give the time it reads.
4:59
